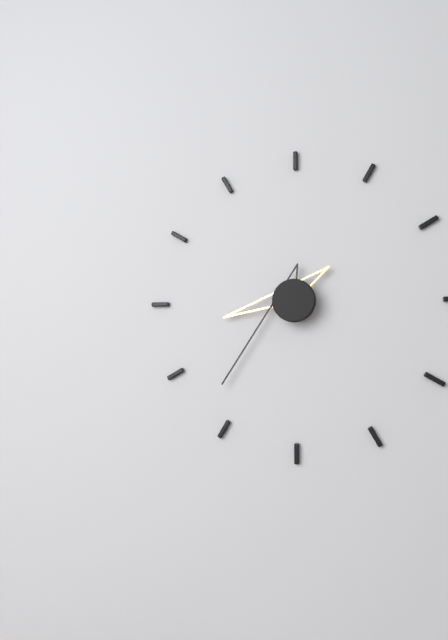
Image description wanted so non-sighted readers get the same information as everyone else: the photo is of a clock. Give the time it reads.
8:37
